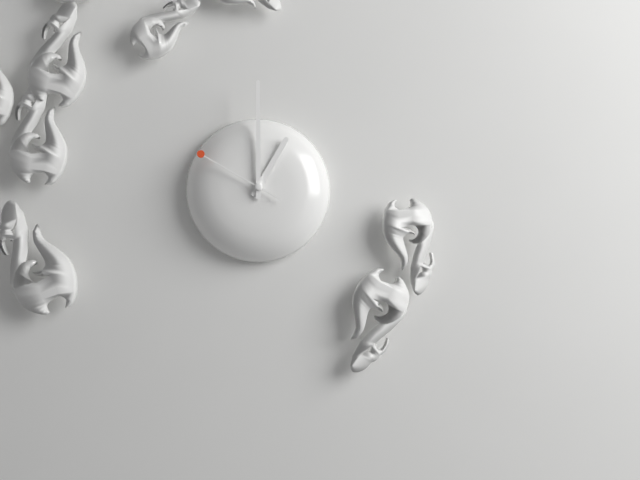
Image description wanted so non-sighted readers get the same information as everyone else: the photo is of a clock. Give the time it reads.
1:00:50
